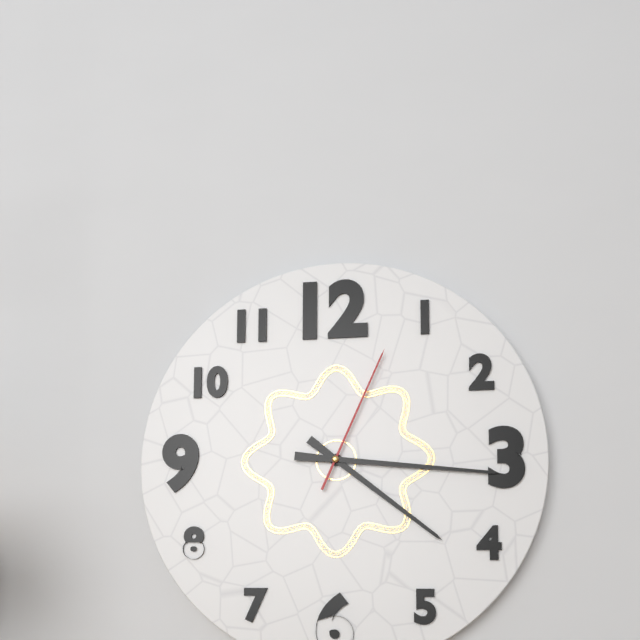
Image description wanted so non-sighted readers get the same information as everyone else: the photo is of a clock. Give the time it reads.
4:16:04
